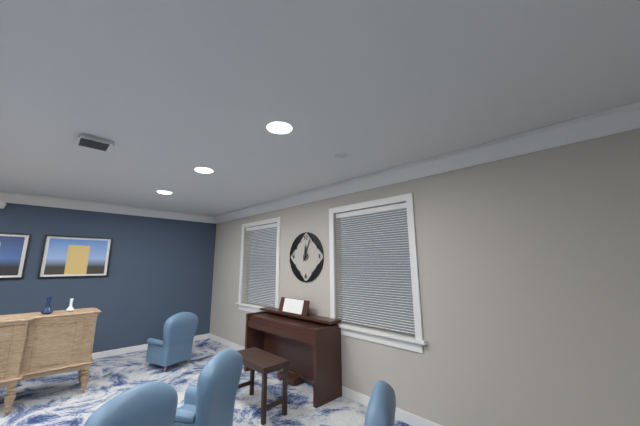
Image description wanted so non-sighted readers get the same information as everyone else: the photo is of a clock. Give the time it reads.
12:04
